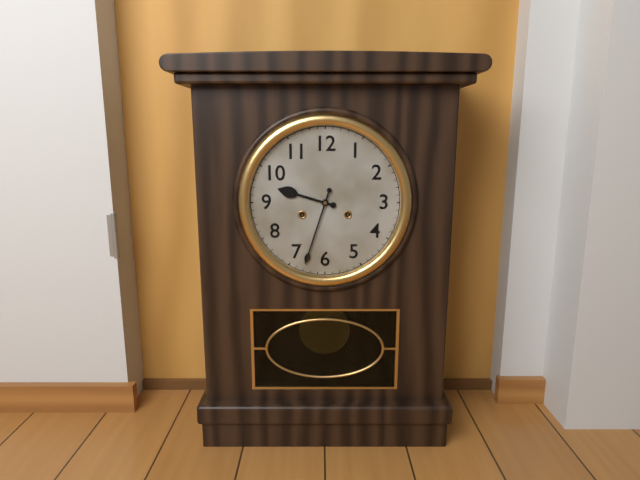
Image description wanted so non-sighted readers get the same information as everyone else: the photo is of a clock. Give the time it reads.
9:33
